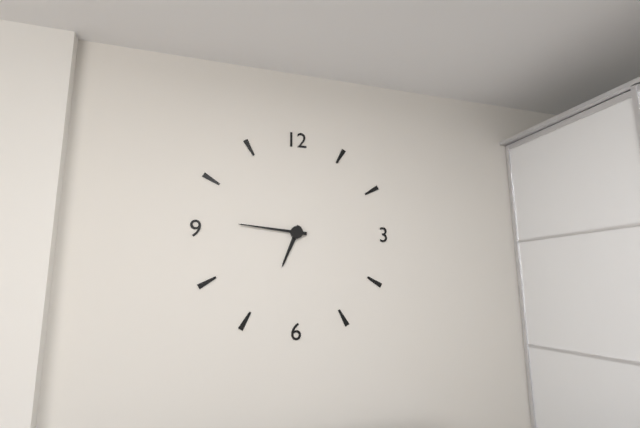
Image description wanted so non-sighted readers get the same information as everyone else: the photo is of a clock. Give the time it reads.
6:46
